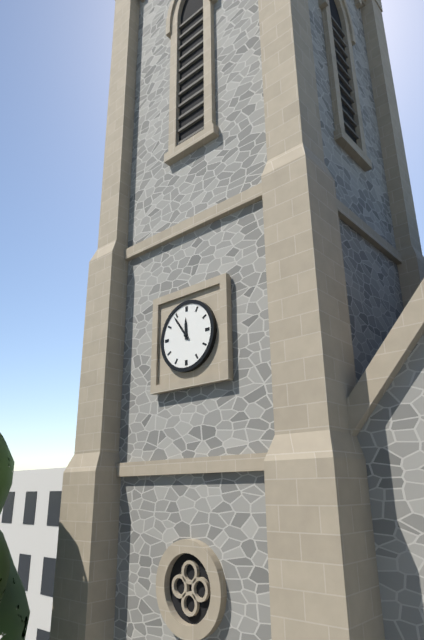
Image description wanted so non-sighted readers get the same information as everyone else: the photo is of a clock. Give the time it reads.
11:54
